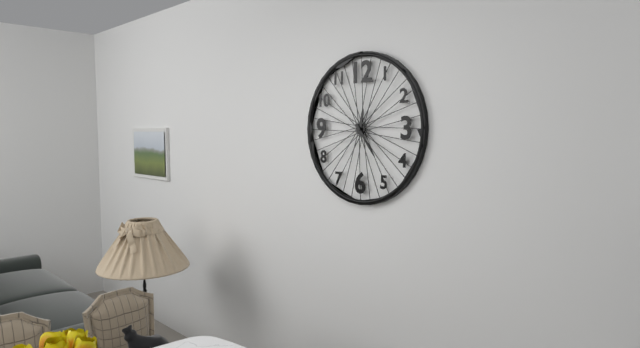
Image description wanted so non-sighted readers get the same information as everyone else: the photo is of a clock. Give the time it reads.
12:24
